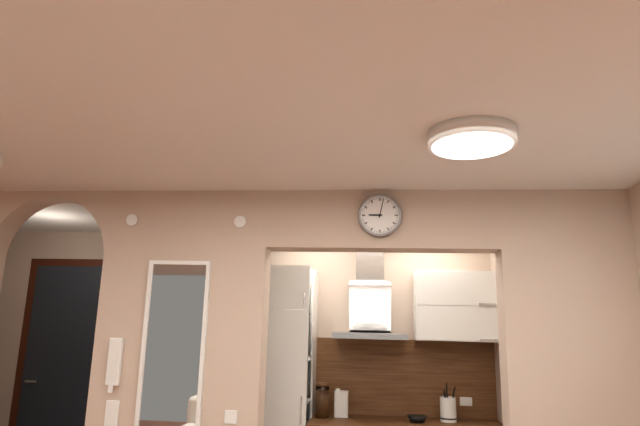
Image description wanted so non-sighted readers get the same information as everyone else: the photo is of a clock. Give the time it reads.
9:02
